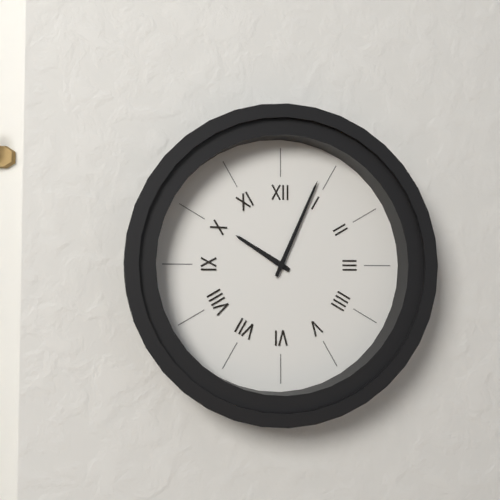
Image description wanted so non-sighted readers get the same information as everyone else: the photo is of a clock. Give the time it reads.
10:04
